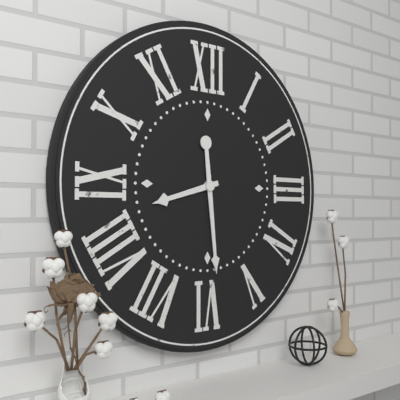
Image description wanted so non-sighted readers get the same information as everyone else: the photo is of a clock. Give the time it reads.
8:29
